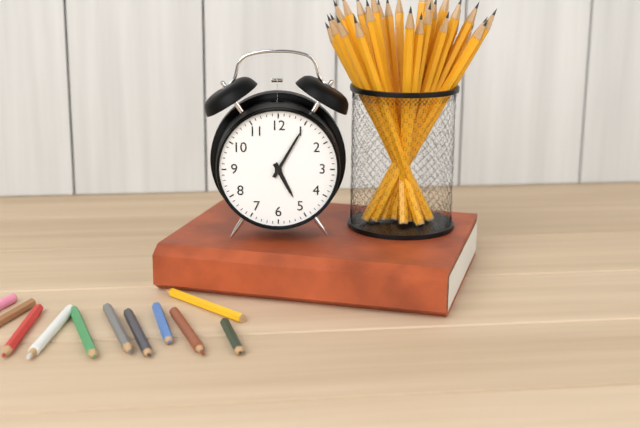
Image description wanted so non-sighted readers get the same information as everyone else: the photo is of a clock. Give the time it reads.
5:05
